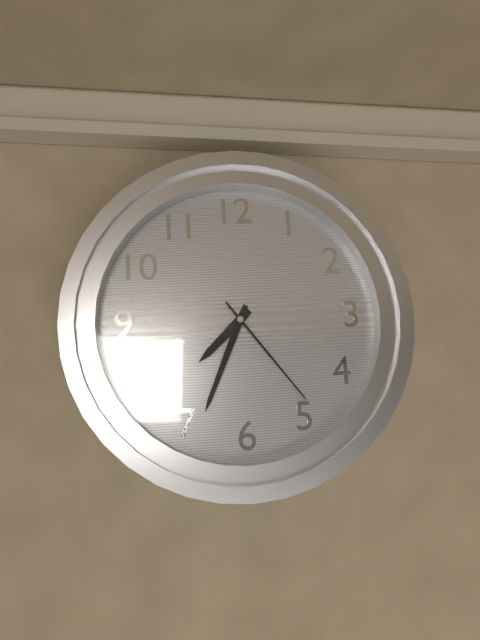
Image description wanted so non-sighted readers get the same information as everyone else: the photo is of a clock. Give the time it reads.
7:34:24
